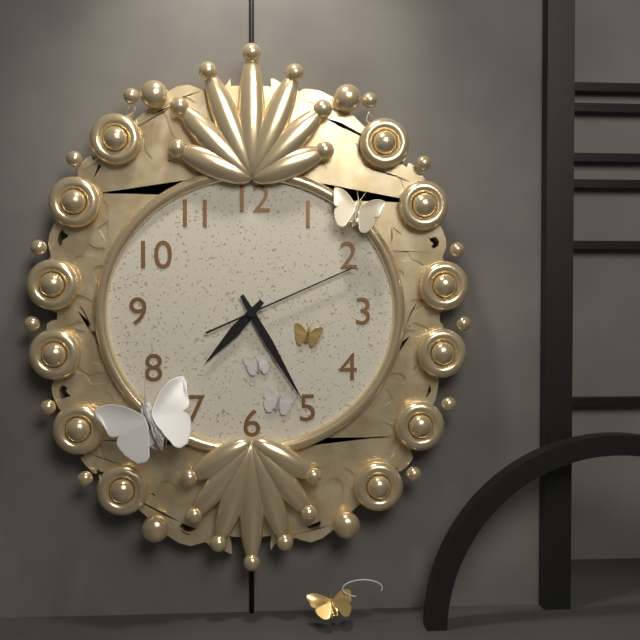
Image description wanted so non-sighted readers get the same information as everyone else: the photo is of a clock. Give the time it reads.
7:25:11
